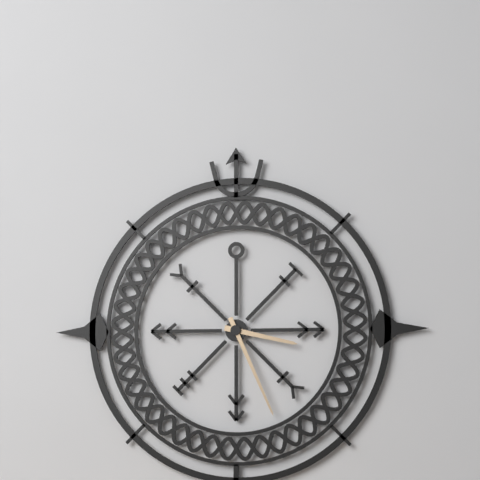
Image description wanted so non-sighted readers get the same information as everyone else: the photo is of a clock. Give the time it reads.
3:26
